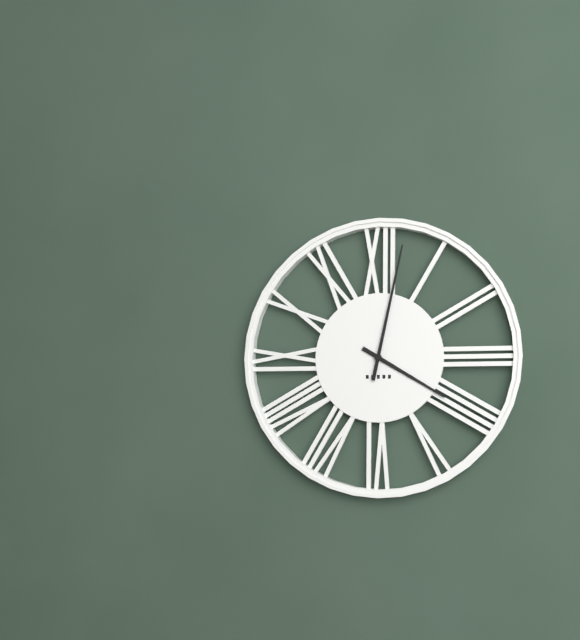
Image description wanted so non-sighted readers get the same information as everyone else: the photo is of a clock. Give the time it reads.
4:02
